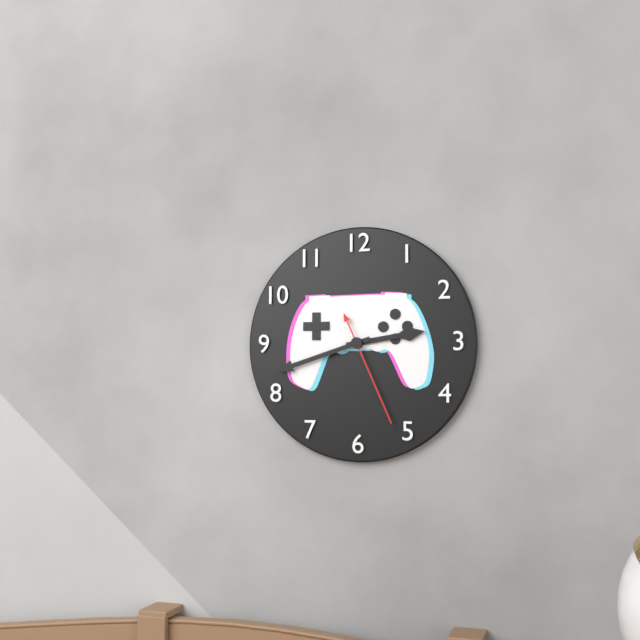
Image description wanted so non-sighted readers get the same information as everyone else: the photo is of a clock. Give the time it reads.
2:42:26
